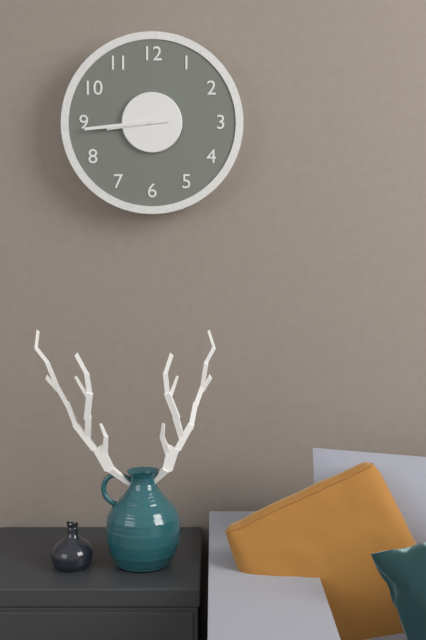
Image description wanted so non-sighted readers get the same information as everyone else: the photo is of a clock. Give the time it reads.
8:44
